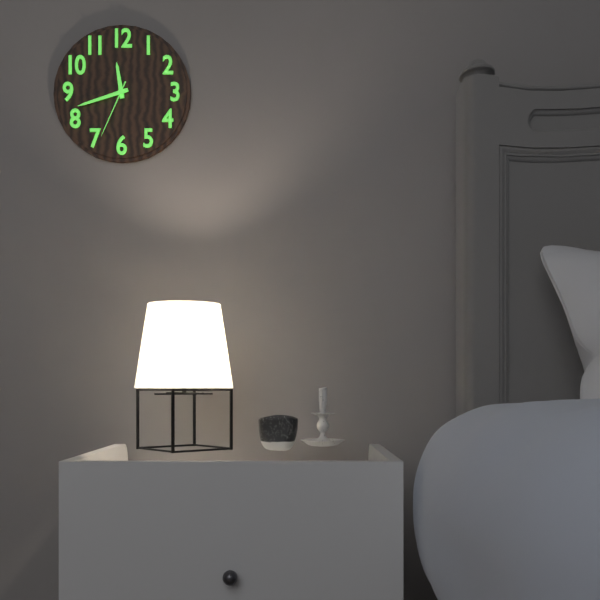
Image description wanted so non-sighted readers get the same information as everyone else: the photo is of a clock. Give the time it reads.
11:42:34
